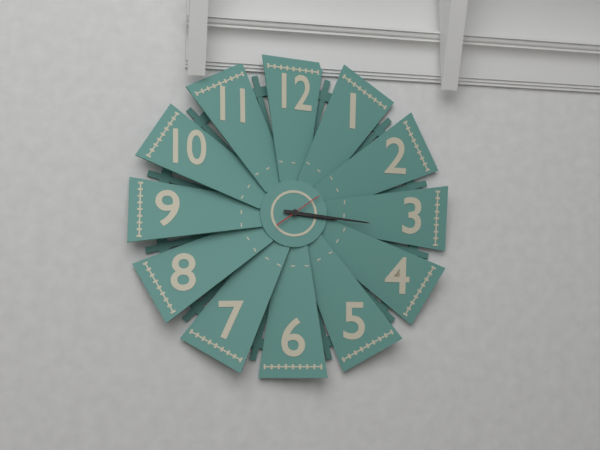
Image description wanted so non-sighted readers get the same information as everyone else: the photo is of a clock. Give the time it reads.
3:16
